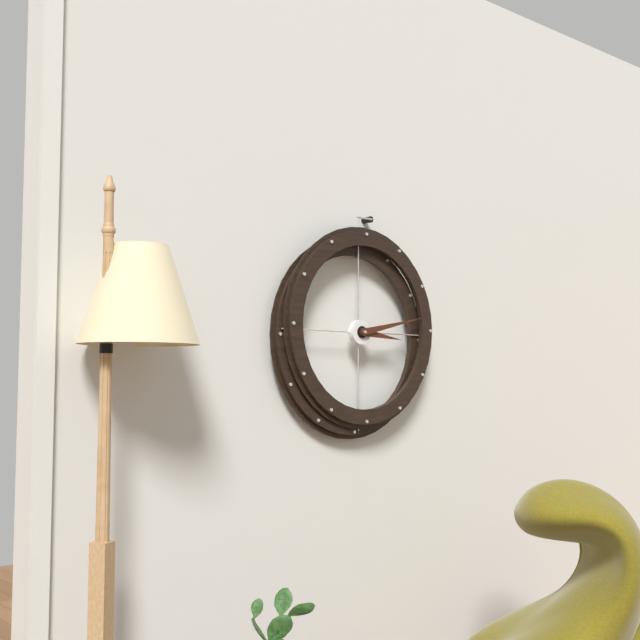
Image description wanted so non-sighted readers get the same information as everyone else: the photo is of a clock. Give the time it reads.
3:13
